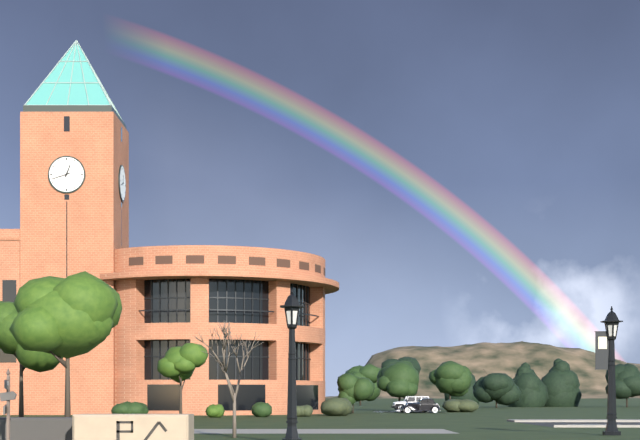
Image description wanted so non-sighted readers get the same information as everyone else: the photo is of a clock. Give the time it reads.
12:42
